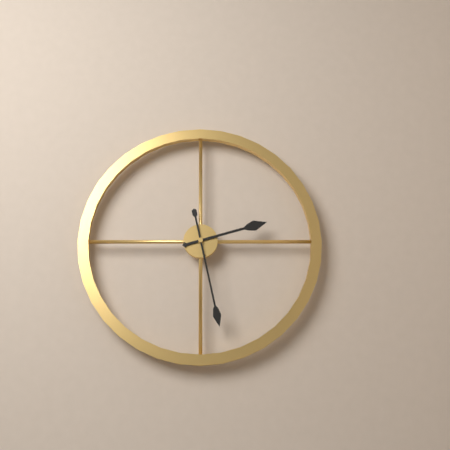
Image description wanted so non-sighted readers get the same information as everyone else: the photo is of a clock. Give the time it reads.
2:28
